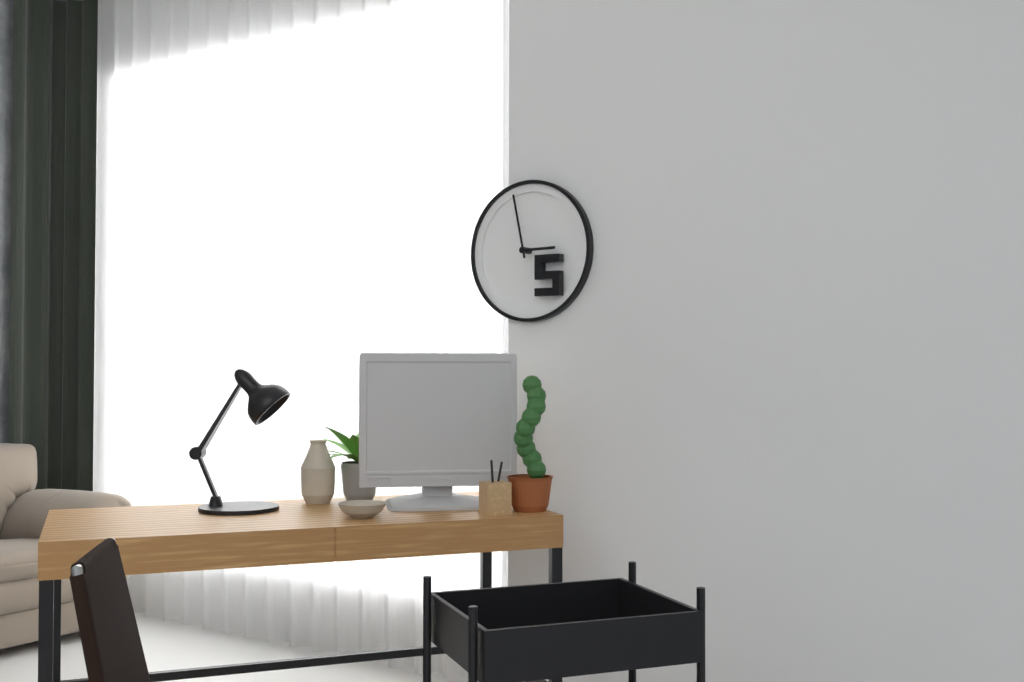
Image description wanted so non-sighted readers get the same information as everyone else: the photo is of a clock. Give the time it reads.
2:58
